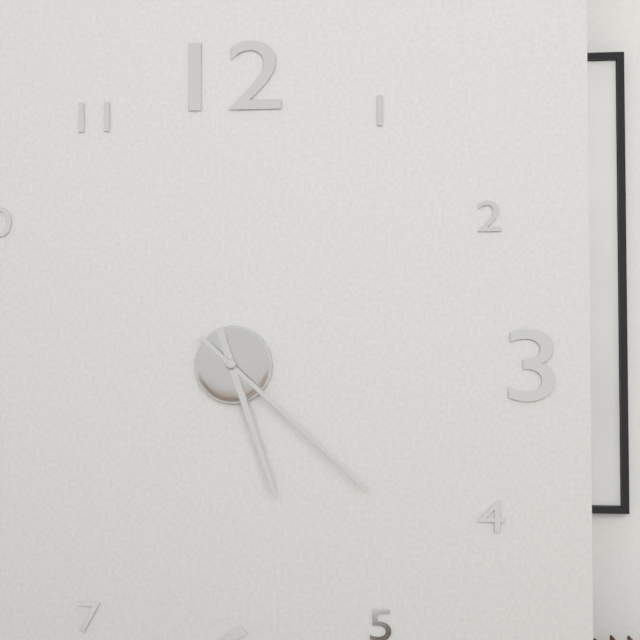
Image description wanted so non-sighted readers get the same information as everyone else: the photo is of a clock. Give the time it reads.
5:22
